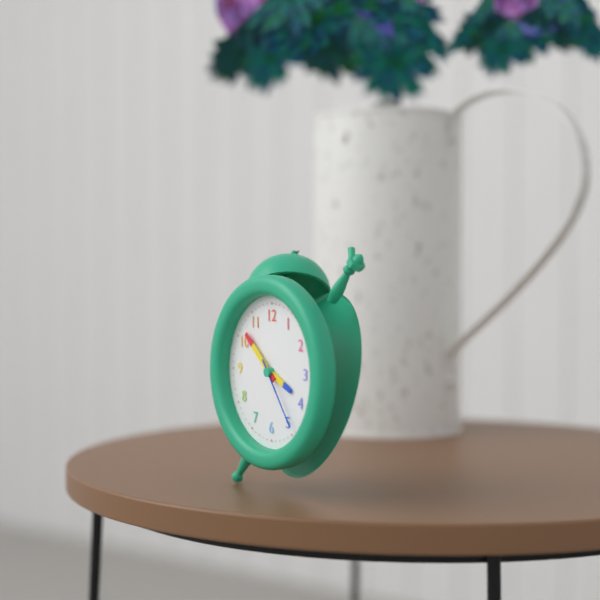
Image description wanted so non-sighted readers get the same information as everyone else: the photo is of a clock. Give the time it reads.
3:52:24
